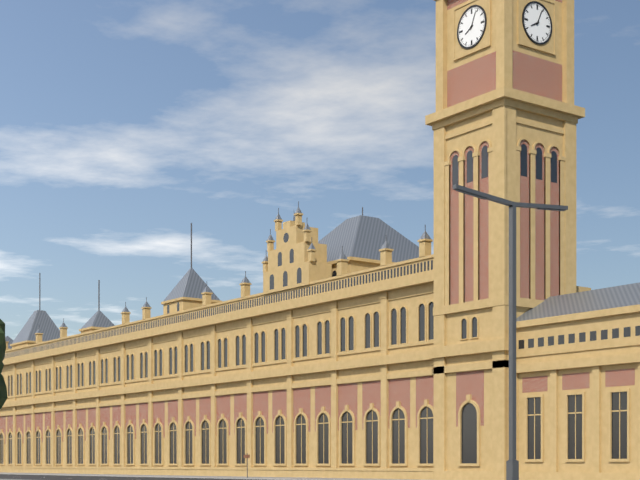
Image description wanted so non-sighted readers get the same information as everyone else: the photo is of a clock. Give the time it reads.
8:04
